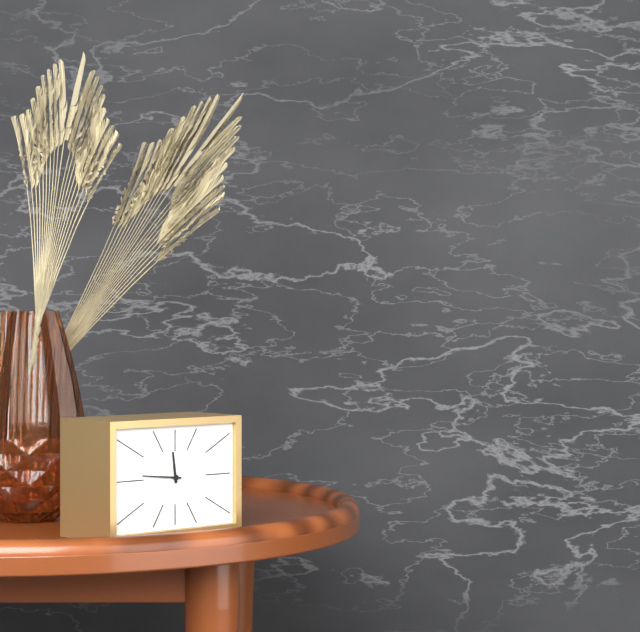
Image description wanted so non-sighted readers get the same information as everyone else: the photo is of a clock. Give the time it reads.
11:46
